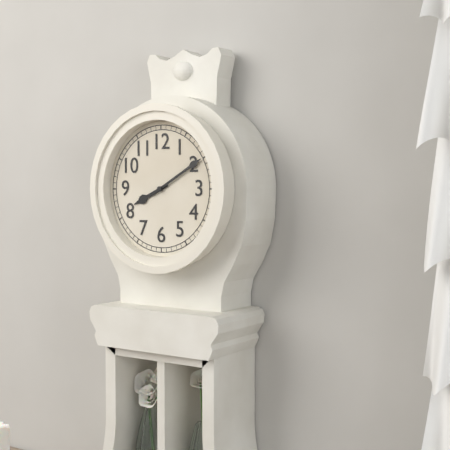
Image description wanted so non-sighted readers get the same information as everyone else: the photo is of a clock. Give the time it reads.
8:10
